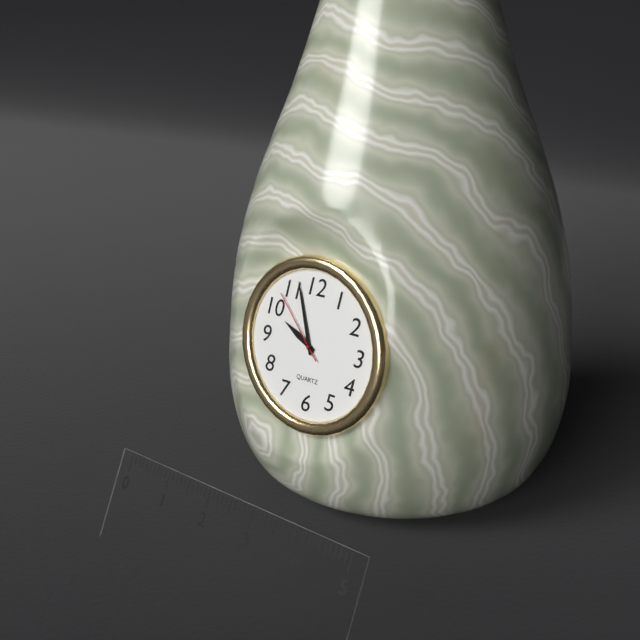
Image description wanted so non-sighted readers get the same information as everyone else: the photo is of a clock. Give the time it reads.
9:57:53
